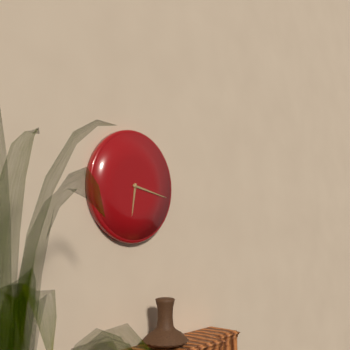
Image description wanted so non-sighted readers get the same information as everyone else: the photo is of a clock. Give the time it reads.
6:17
